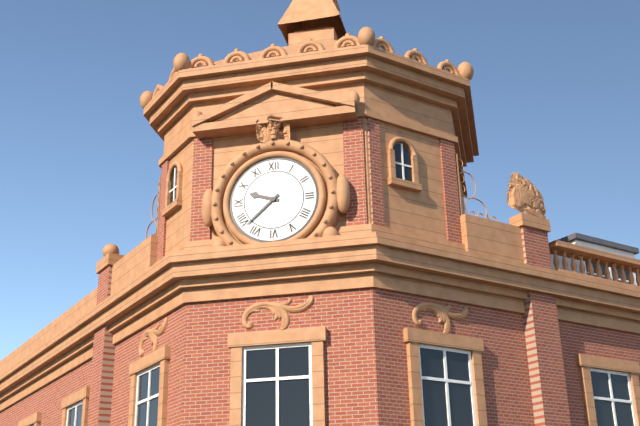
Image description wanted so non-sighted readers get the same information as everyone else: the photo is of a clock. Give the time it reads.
9:38
